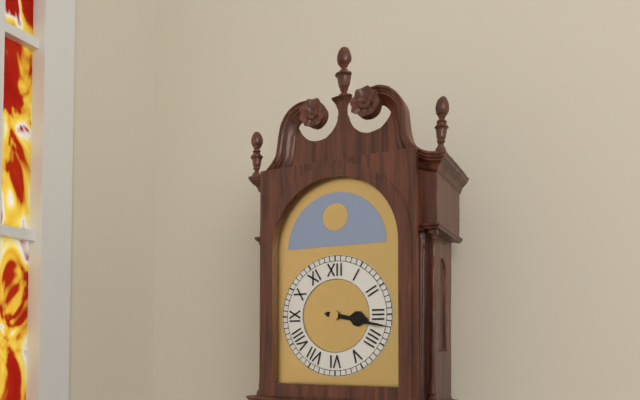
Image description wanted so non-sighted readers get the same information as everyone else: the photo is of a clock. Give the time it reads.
3:17
